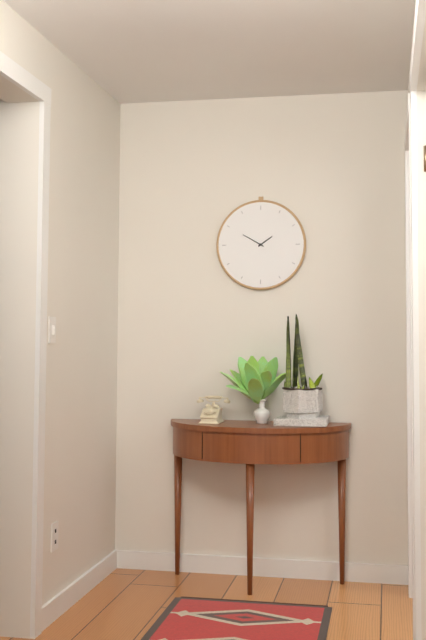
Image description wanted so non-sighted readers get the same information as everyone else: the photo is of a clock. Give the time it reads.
1:50
